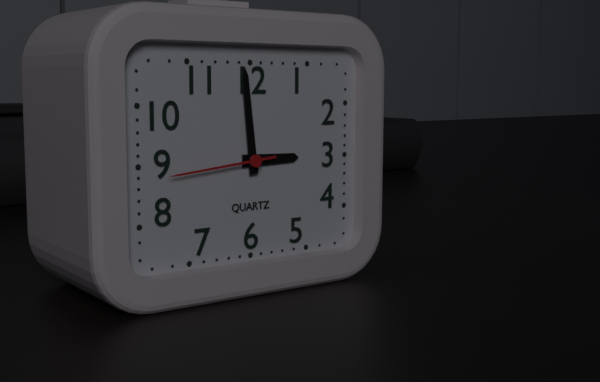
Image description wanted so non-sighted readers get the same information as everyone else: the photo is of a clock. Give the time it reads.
2:59:44
